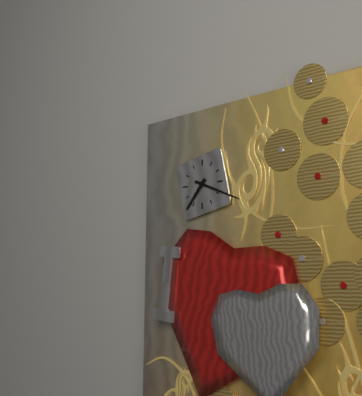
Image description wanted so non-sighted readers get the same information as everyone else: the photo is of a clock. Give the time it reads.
7:19
